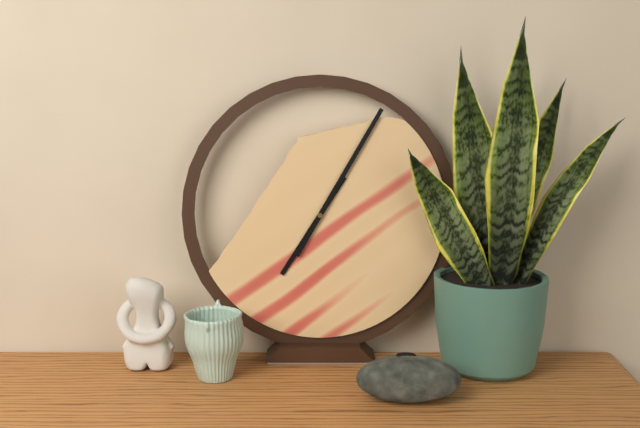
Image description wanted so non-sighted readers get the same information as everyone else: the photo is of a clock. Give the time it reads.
7:05
